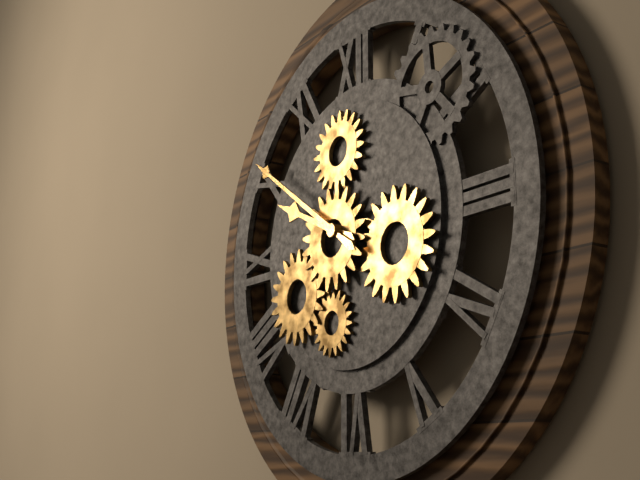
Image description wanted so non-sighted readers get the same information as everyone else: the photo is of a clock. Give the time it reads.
9:51
